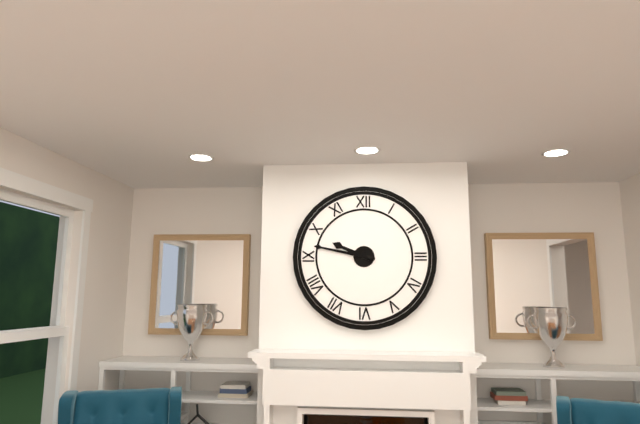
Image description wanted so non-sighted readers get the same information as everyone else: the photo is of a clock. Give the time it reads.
9:47
